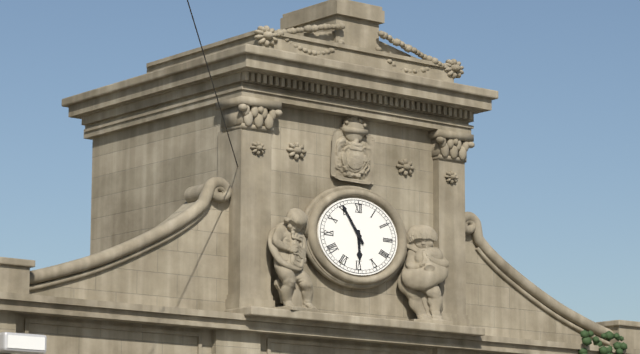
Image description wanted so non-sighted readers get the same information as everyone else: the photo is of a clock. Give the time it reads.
5:54
